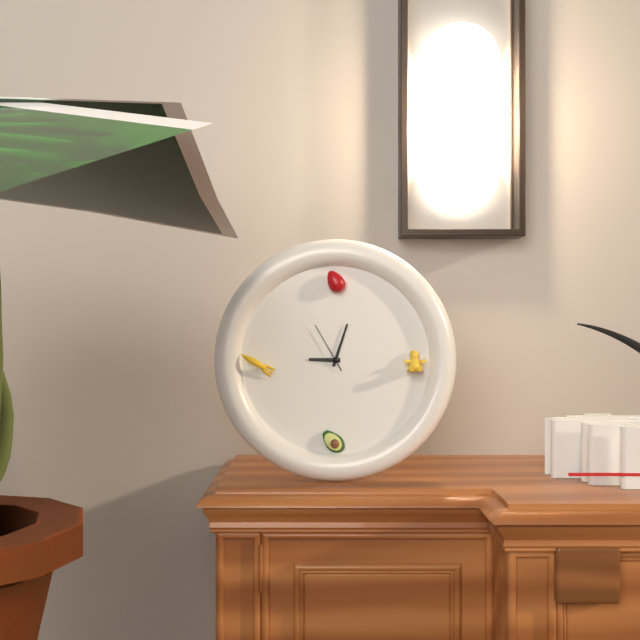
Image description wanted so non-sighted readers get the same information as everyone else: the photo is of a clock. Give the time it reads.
9:03:55
